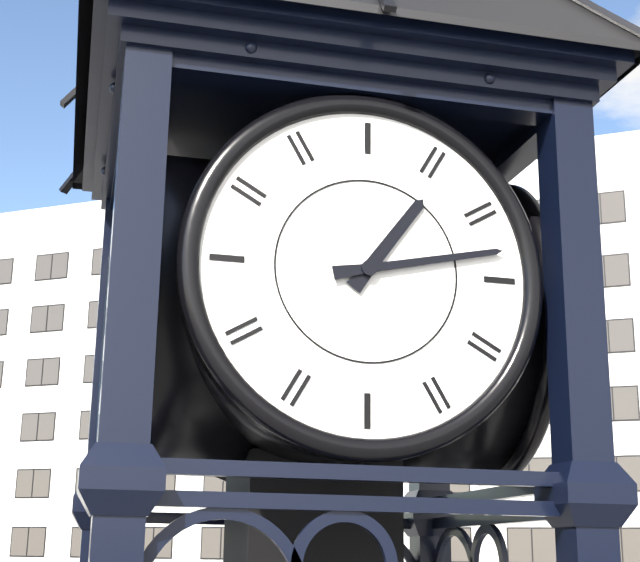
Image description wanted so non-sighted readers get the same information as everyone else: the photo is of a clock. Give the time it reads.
1:13
